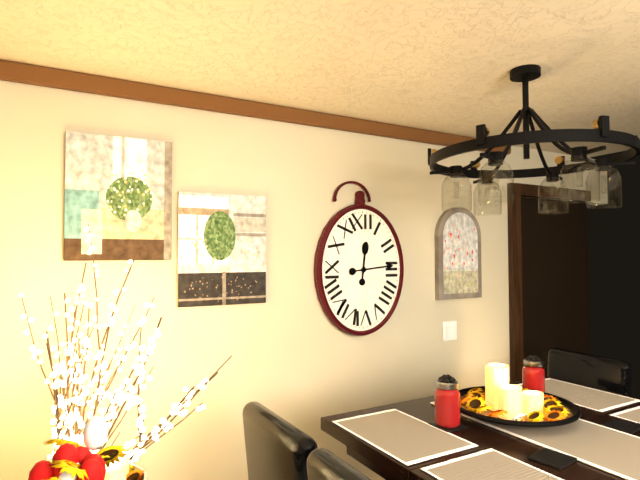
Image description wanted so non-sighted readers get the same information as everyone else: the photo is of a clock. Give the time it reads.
12:14
